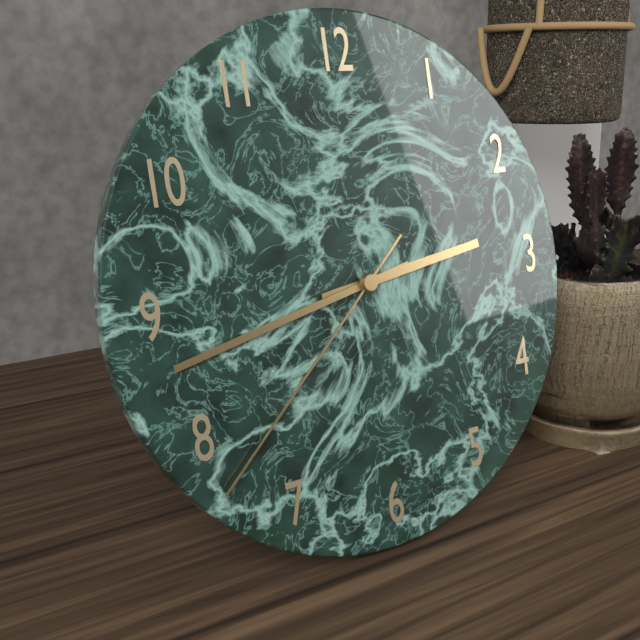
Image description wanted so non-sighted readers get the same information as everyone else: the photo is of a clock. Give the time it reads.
2:43:38
